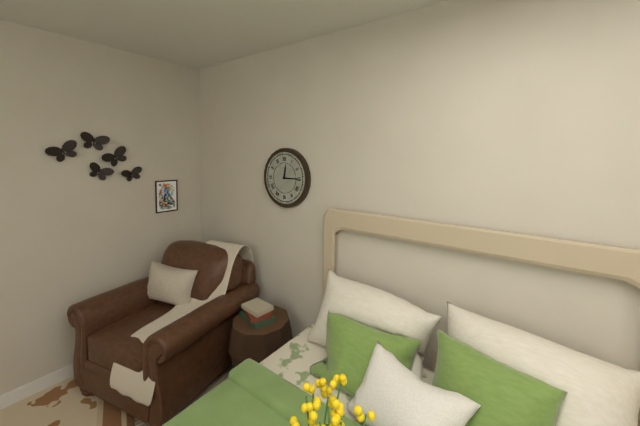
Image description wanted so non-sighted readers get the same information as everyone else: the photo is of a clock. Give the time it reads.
12:15
